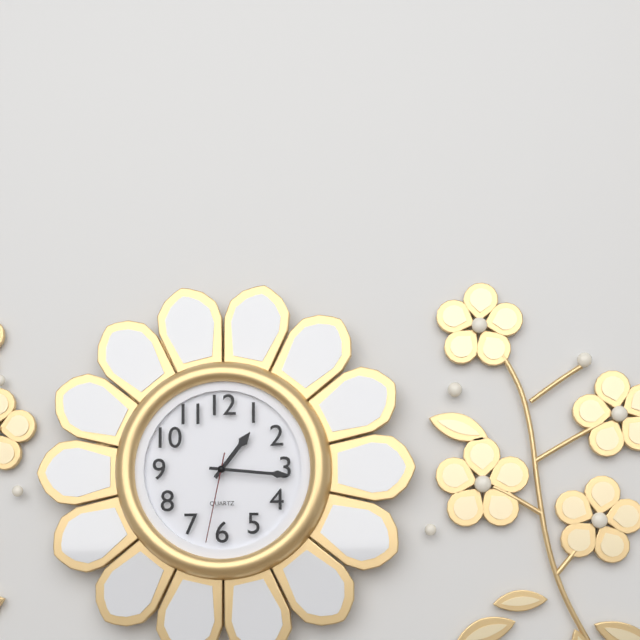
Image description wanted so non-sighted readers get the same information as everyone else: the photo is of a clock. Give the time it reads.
1:16:32
